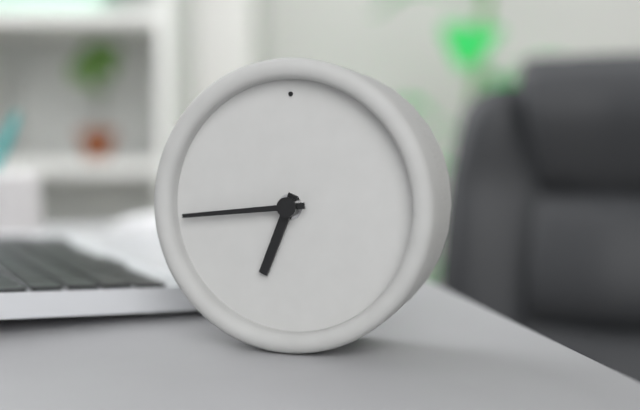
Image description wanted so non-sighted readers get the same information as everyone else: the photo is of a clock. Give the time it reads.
6:44
